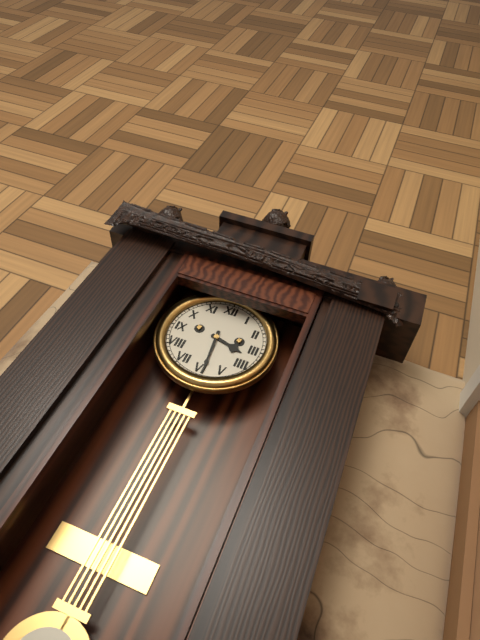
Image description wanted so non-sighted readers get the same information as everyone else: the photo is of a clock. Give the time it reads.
3:29
